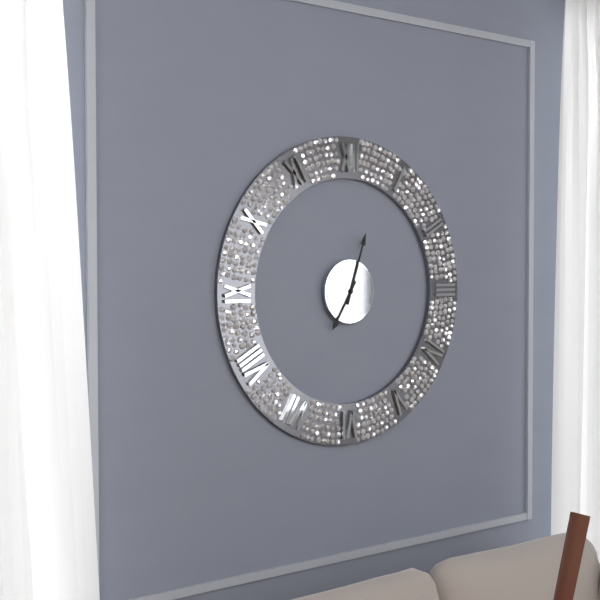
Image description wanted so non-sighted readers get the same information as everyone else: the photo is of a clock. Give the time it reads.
7:03
